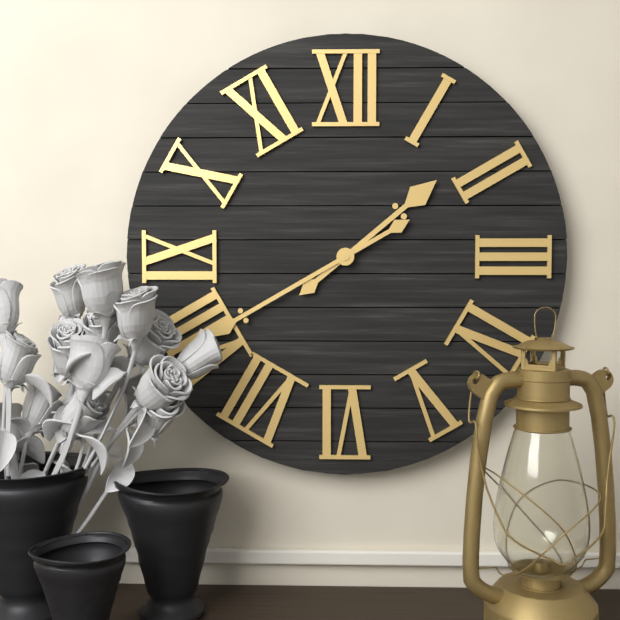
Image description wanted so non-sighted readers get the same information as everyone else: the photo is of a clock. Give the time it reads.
1:40
